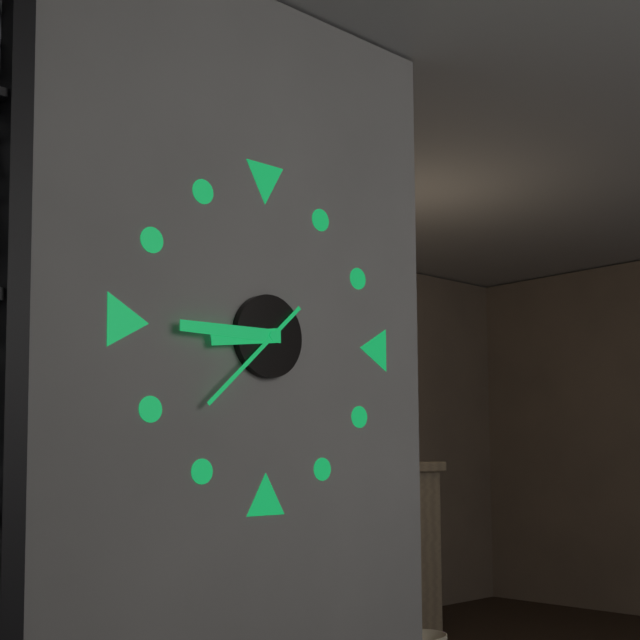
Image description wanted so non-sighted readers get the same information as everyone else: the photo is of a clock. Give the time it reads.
8:45:38
